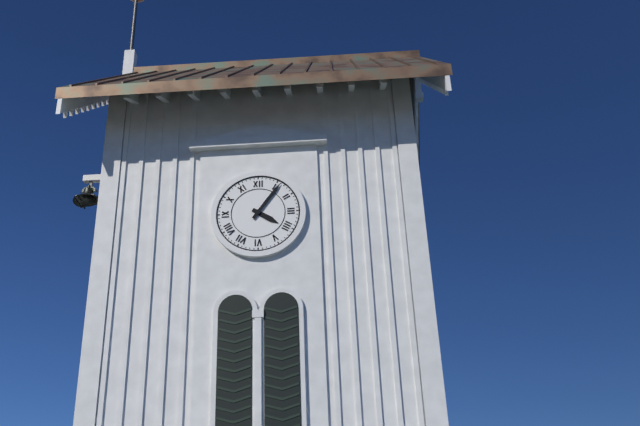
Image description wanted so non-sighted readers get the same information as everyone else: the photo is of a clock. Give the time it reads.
4:06
